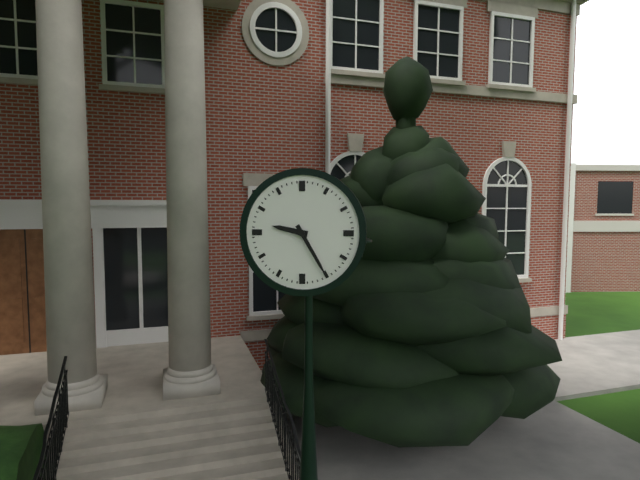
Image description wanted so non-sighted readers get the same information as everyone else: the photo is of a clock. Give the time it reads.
9:25
